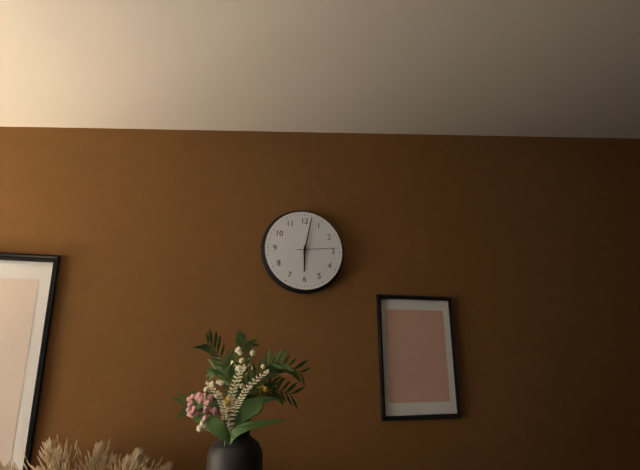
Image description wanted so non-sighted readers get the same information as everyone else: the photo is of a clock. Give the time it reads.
6:02
